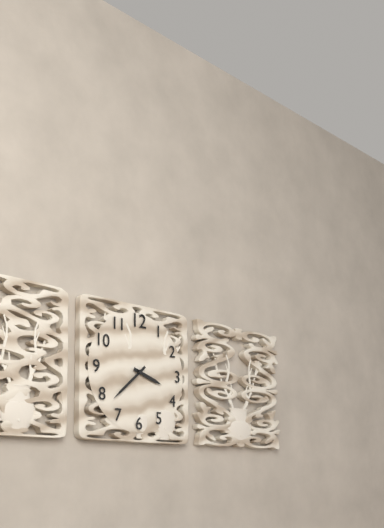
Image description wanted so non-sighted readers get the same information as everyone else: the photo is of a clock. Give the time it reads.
3:38
